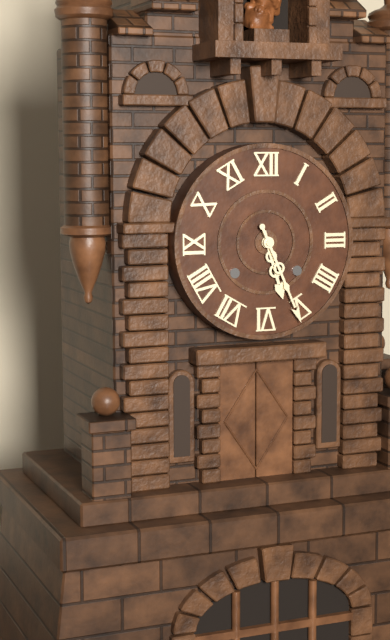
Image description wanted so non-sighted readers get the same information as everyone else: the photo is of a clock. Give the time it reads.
5:26
